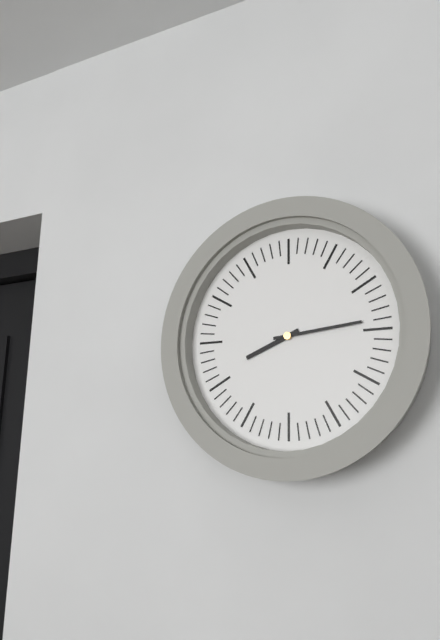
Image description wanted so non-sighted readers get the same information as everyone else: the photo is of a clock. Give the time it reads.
8:14
